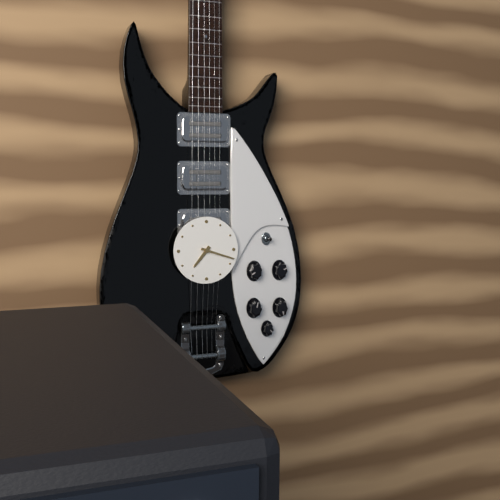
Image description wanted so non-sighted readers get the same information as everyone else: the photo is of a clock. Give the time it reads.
7:18
